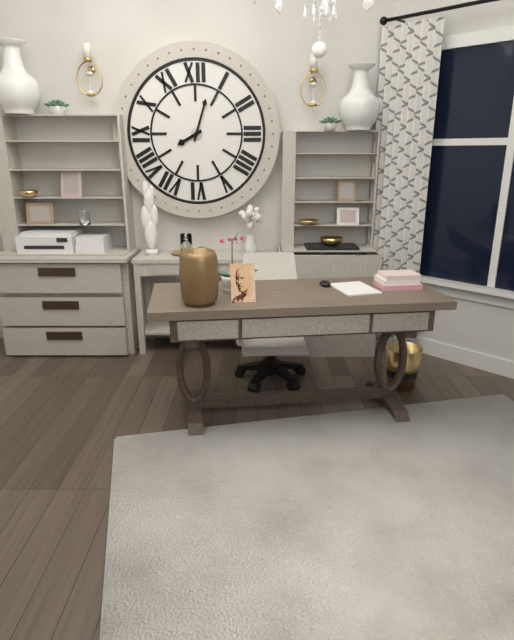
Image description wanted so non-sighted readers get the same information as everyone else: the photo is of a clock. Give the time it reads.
8:03
